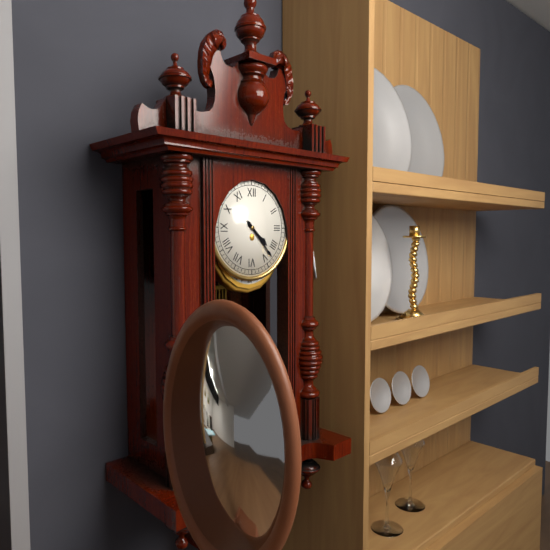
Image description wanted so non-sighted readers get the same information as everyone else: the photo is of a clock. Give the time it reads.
4:23
